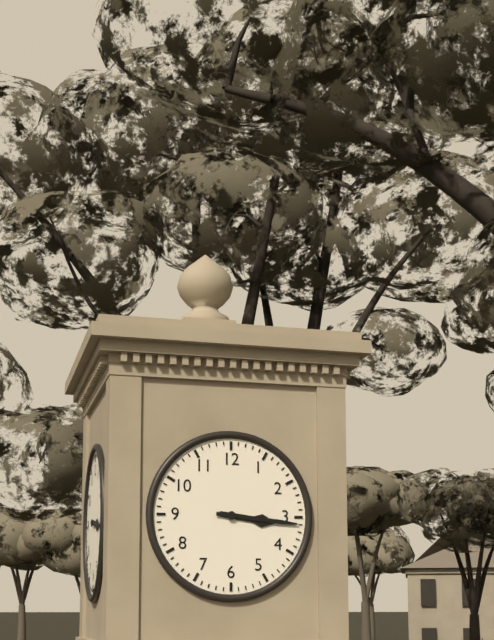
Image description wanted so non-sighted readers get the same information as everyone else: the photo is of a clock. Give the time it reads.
3:16
